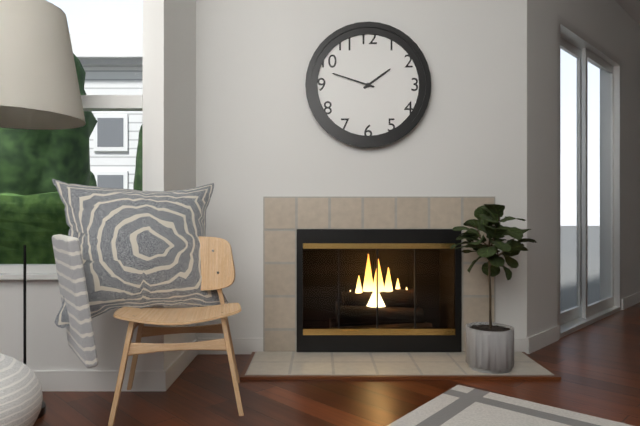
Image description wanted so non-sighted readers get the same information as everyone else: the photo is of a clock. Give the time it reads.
1:48
